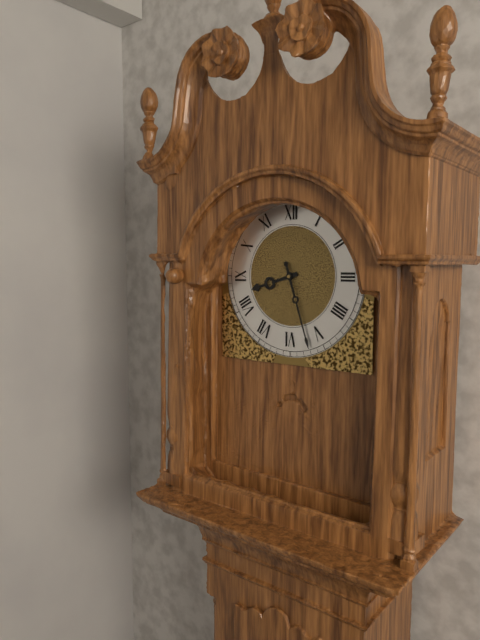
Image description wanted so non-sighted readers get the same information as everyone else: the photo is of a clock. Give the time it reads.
8:27
